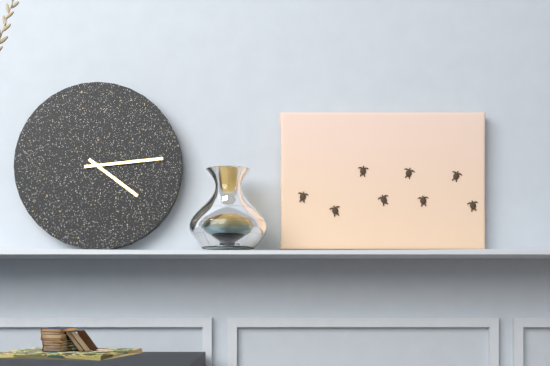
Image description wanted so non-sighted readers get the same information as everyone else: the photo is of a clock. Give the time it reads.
4:14
